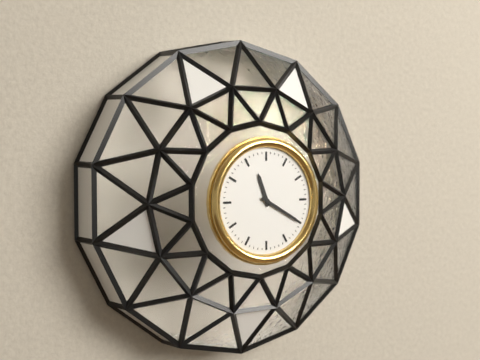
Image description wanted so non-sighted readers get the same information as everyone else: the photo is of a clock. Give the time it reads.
11:20
